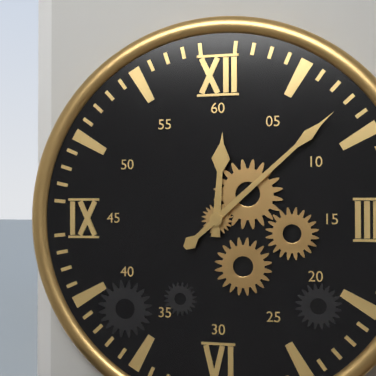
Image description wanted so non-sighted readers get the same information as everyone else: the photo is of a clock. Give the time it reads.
12:08
